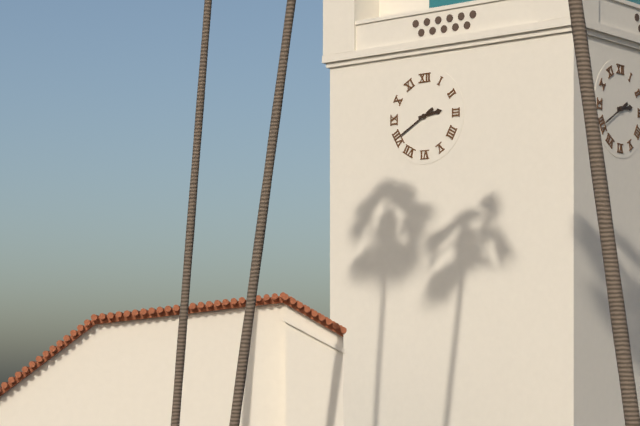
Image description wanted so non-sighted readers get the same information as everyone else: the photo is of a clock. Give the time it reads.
2:40
